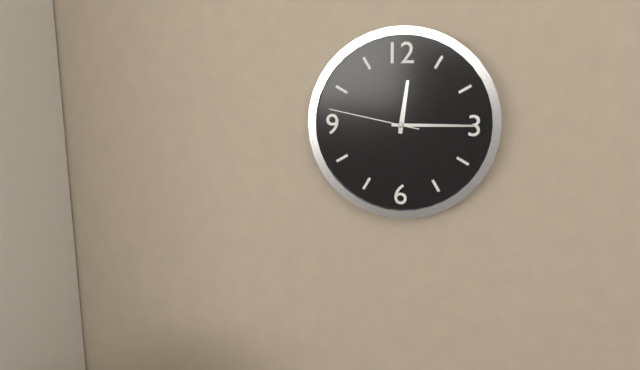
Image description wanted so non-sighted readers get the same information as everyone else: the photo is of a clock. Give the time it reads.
12:15:47
